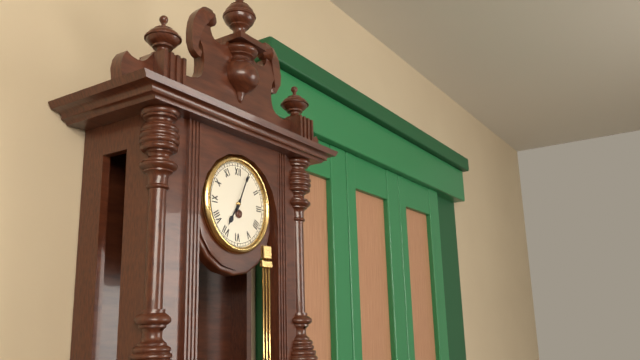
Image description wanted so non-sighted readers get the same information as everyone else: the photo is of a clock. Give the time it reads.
7:04
